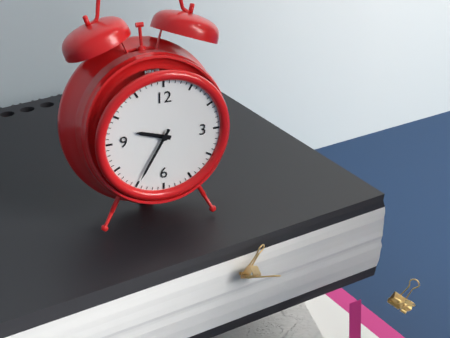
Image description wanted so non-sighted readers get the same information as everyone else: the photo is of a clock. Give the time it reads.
9:35
